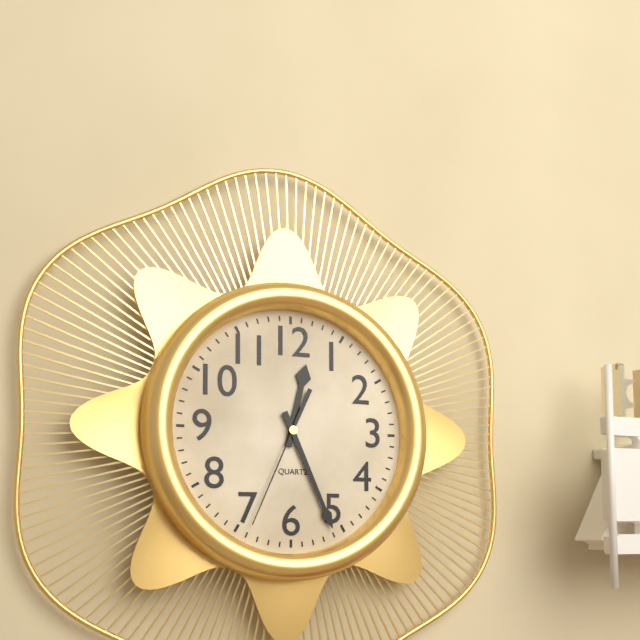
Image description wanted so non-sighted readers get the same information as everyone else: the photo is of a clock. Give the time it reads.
12:26:34
